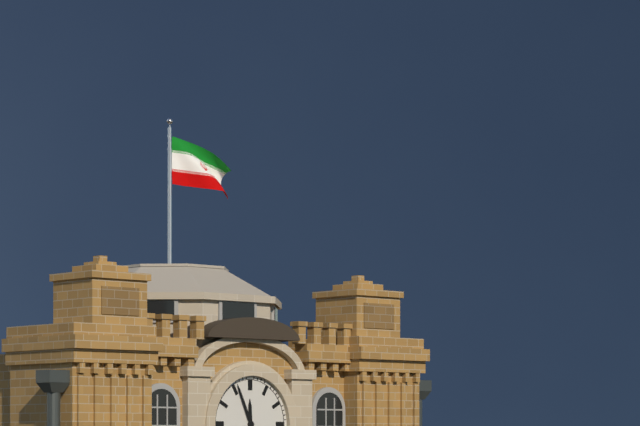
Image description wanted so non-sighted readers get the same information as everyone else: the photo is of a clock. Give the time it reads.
11:56
